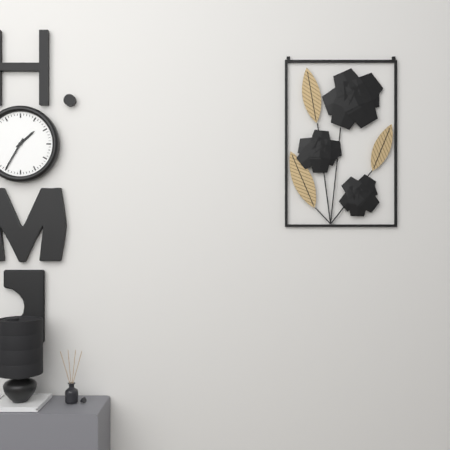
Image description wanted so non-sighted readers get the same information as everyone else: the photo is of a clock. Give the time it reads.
1:35
